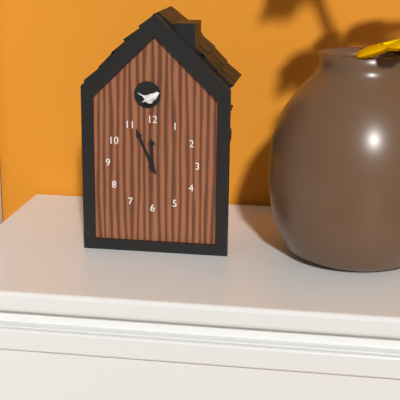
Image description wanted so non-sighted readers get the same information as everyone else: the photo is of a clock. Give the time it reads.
11:56
